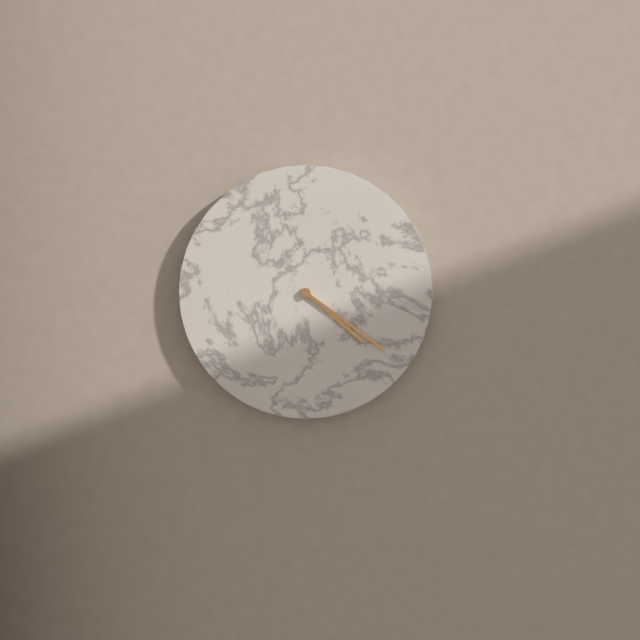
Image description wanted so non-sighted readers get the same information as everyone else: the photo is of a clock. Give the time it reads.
4:21
